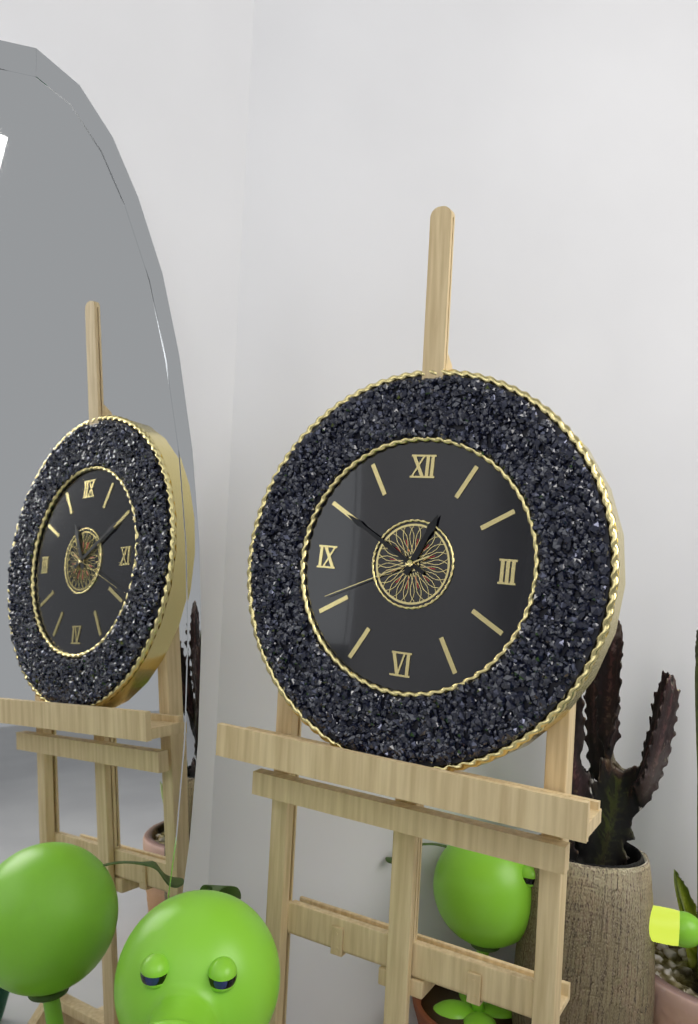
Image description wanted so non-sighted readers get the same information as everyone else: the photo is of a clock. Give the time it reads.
12:50:41
